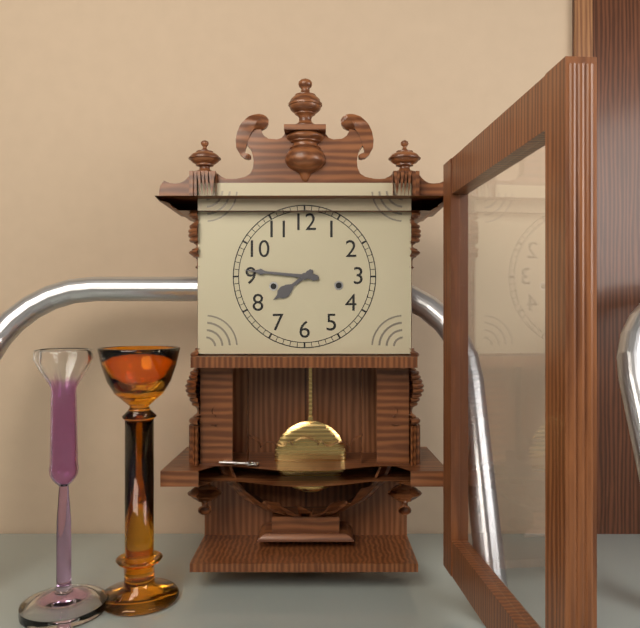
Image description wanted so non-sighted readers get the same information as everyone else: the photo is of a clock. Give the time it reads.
7:46
